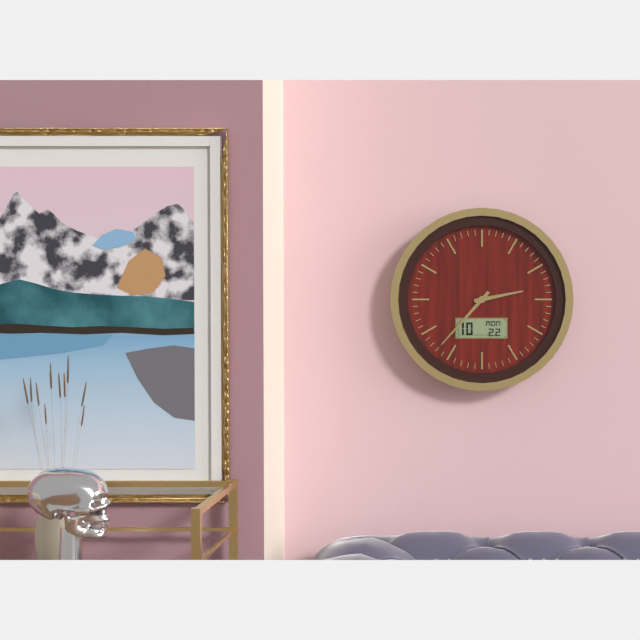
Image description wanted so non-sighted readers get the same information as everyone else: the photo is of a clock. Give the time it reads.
2:37
